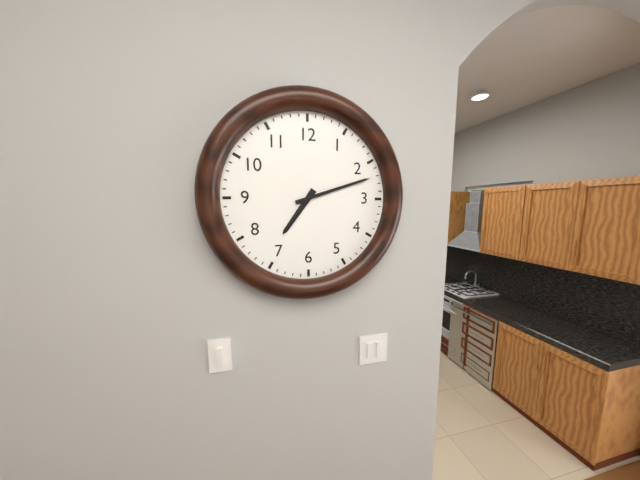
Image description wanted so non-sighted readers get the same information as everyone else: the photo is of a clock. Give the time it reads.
7:12
